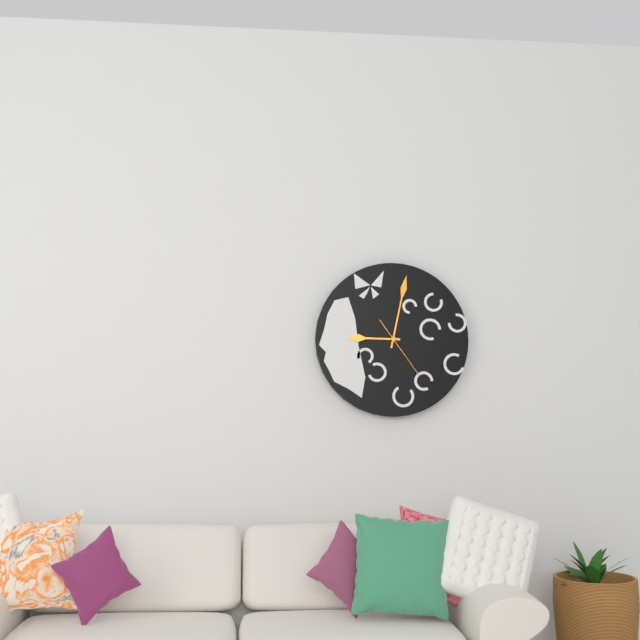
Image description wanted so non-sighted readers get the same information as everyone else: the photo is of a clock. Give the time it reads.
9:02:24
